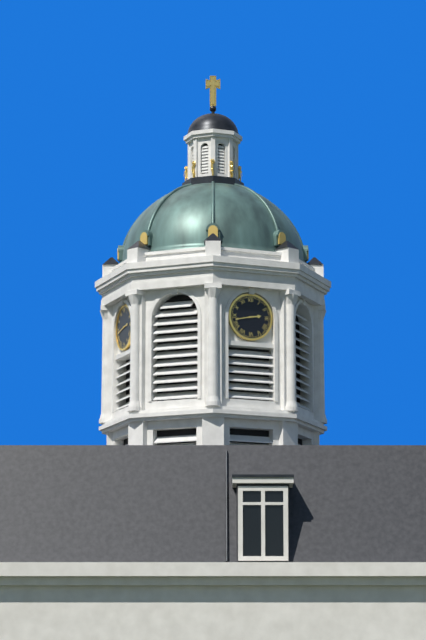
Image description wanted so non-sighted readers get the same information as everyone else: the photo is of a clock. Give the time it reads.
2:43
